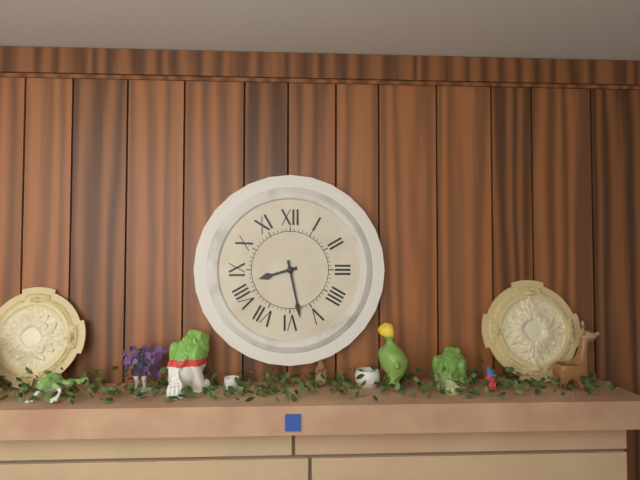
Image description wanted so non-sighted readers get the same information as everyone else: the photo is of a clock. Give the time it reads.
8:28
